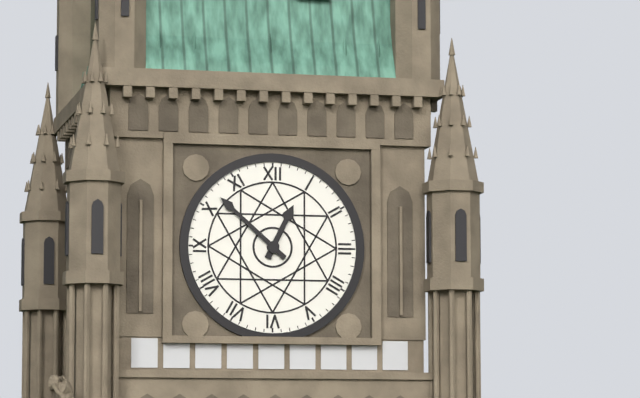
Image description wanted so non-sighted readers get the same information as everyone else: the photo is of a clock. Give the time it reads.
12:52
